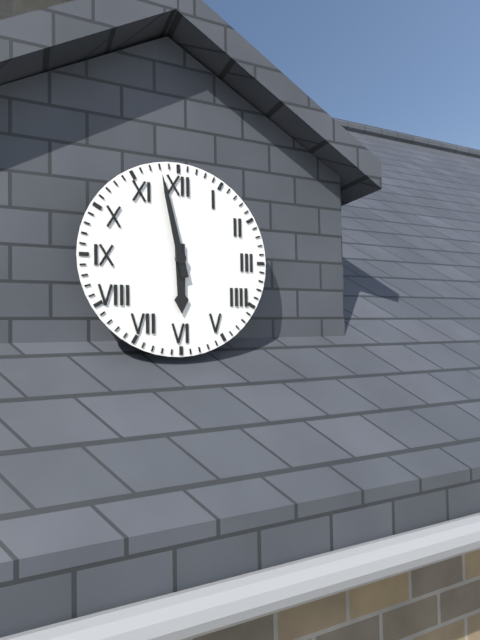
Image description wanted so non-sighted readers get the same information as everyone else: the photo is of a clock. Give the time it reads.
5:58
